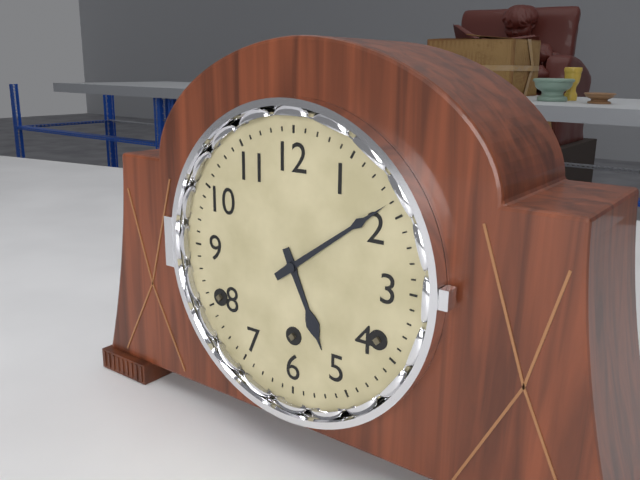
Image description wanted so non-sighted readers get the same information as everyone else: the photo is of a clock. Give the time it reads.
5:09
